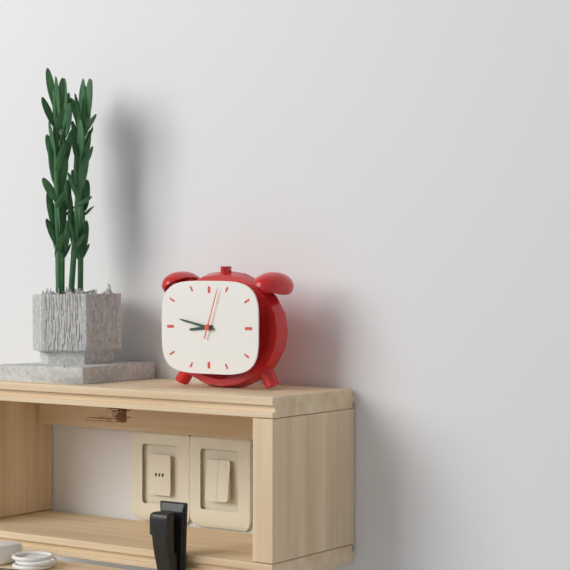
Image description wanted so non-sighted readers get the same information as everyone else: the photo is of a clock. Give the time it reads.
8:47:03
